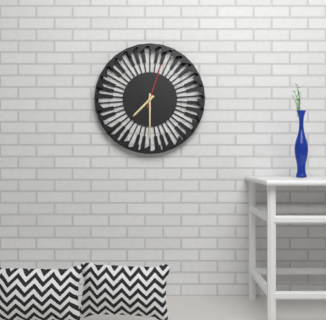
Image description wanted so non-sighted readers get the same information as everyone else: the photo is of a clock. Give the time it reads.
7:30
